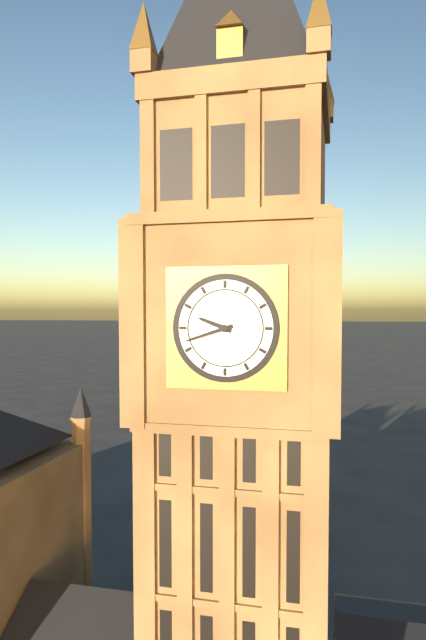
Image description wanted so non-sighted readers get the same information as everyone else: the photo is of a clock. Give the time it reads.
9:42
